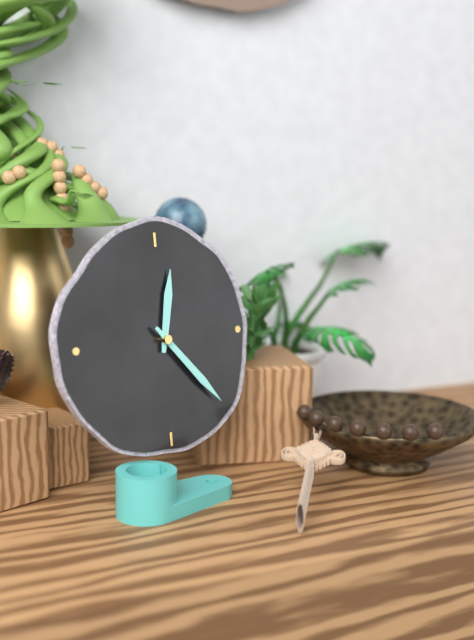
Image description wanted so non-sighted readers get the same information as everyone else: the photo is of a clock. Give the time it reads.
12:23
